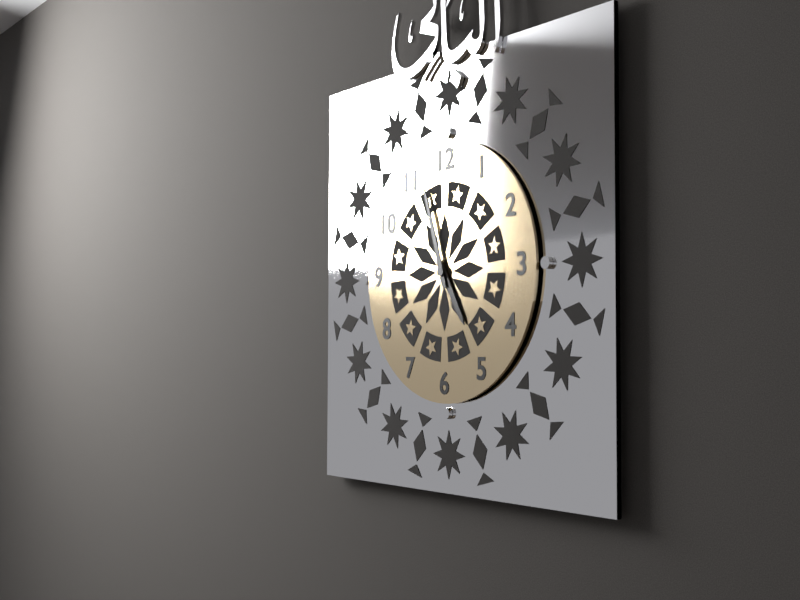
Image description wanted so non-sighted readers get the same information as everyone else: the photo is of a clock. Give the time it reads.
4:57
